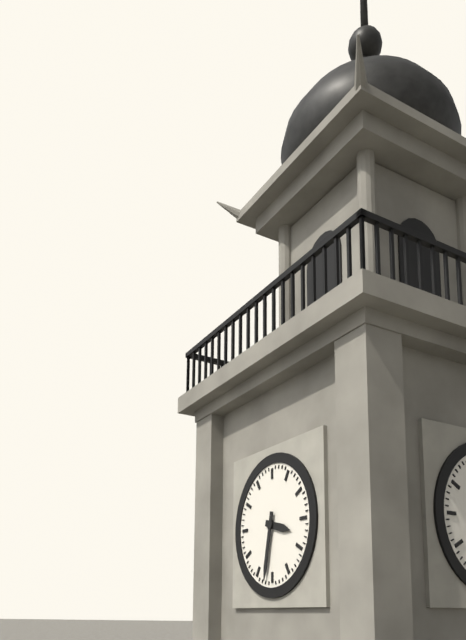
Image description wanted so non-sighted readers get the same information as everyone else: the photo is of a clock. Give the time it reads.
3:32
